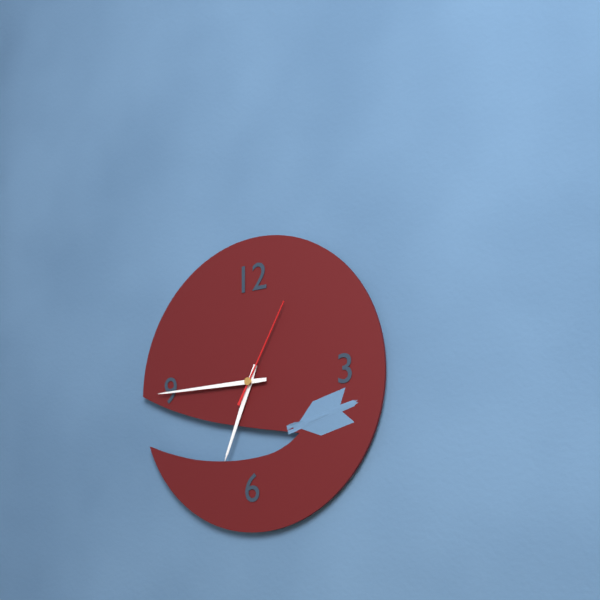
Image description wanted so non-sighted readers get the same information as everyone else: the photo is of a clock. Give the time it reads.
6:45:05
